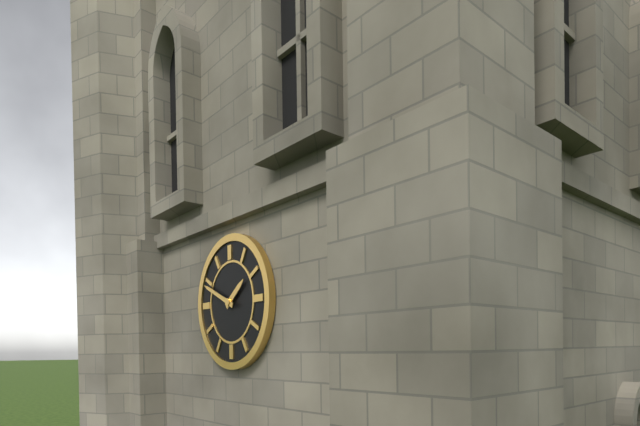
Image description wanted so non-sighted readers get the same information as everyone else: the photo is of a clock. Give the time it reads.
1:49
